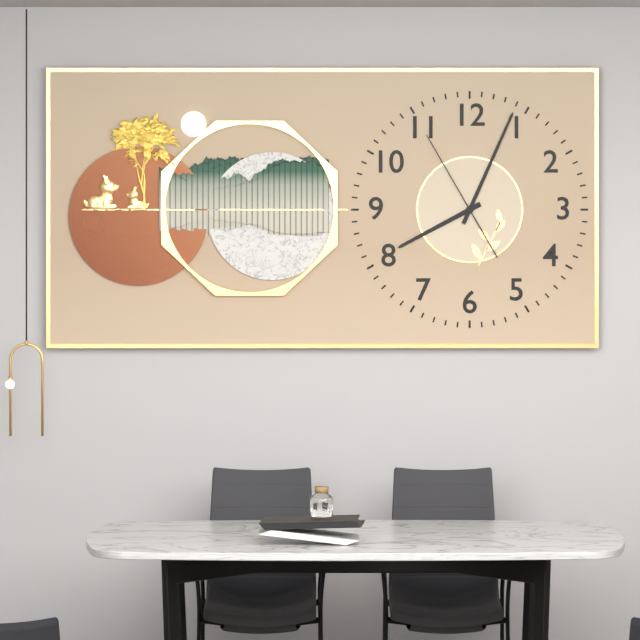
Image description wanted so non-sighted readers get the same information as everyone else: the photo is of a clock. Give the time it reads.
8:04:55
